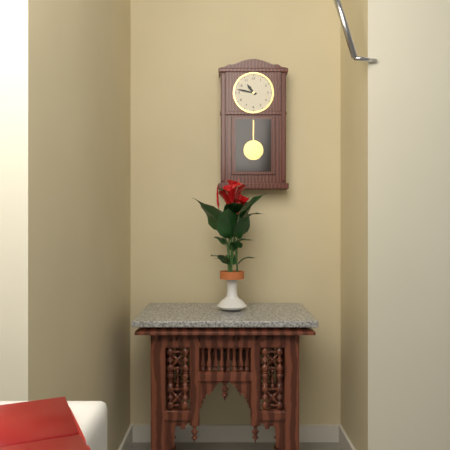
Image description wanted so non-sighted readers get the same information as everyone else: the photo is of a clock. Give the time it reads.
10:47
